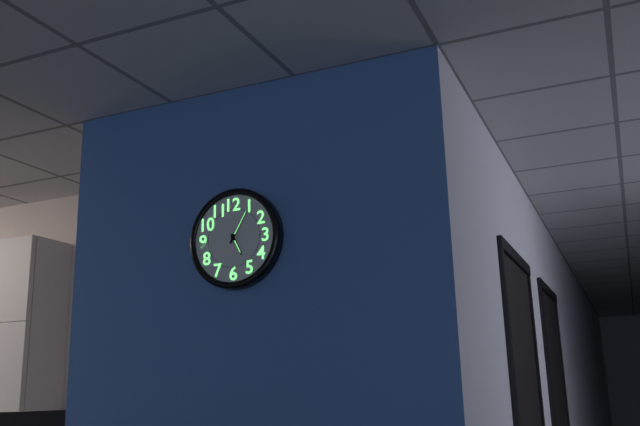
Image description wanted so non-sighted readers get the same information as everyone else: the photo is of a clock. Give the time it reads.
5:05
